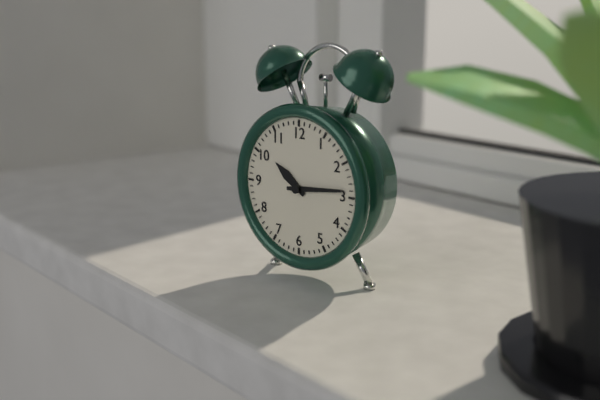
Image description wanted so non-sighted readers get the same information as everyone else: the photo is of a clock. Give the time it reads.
10:14
